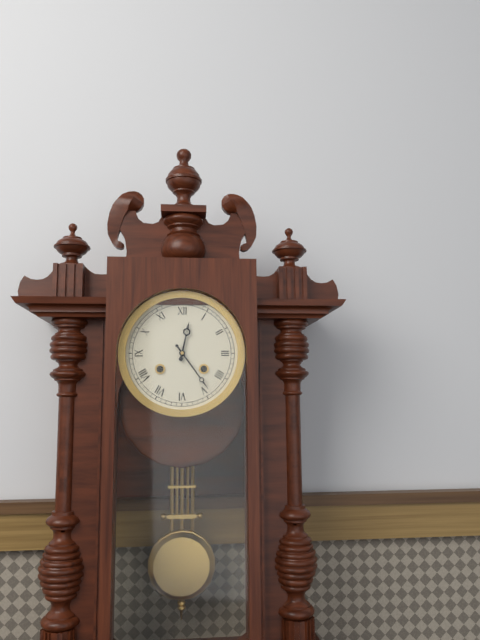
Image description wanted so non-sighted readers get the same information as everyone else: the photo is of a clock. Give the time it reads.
12:24
